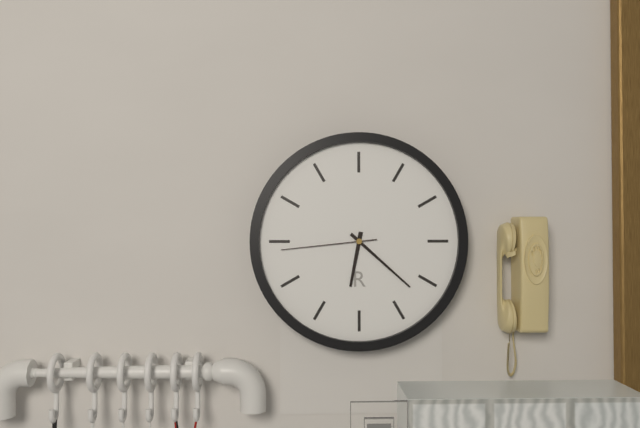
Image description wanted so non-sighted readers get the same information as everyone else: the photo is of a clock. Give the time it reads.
6:22:44
